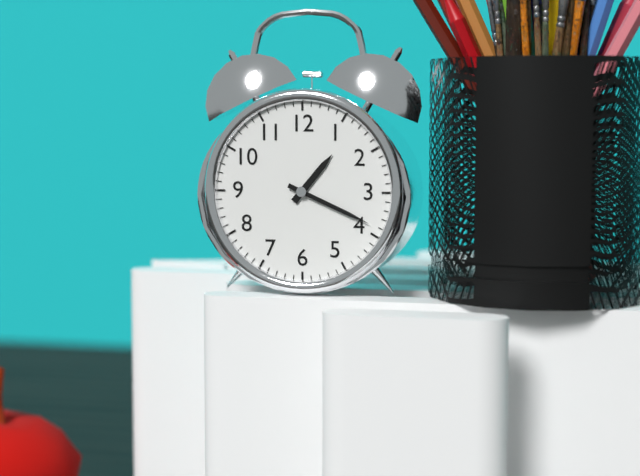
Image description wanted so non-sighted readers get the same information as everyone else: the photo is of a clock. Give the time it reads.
1:19
